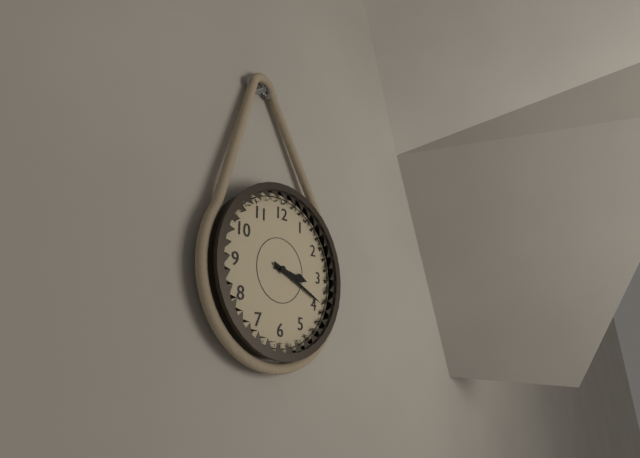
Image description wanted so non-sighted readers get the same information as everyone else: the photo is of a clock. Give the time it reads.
3:19
